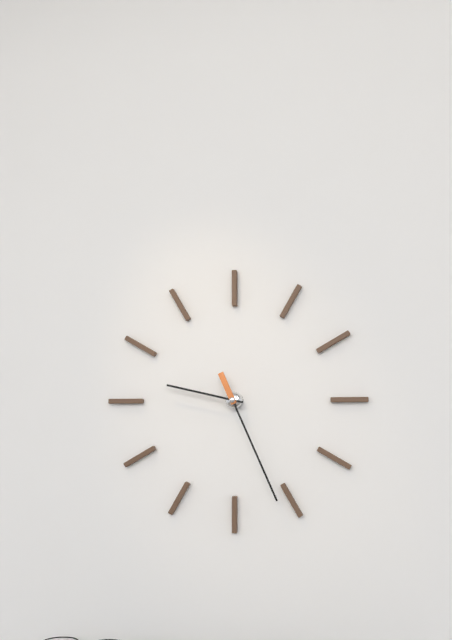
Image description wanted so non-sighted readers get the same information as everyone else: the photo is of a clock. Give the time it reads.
9:26
